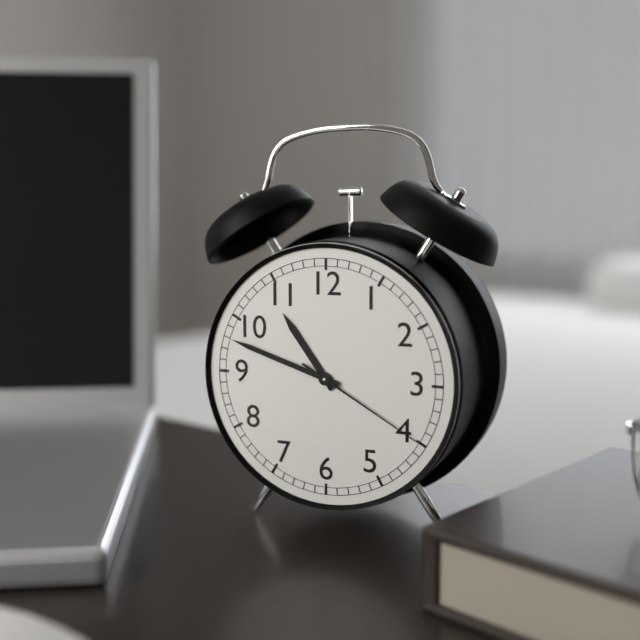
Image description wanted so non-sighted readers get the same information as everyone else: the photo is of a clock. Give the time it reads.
10:48:20
